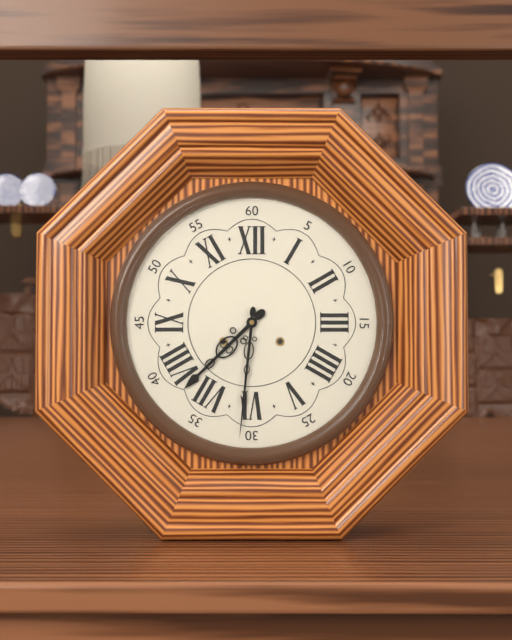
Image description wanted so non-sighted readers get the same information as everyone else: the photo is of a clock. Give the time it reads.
7:31
